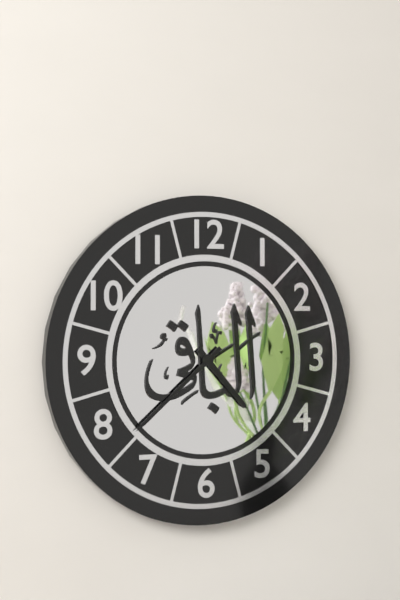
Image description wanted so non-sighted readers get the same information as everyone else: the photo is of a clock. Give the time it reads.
4:38
